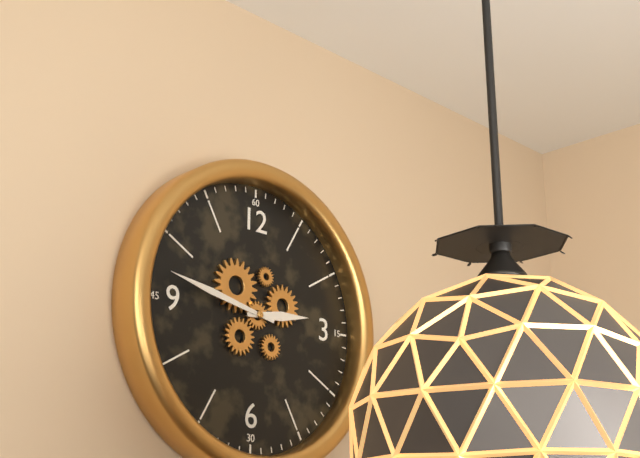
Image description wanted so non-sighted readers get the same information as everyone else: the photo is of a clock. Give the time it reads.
2:47
